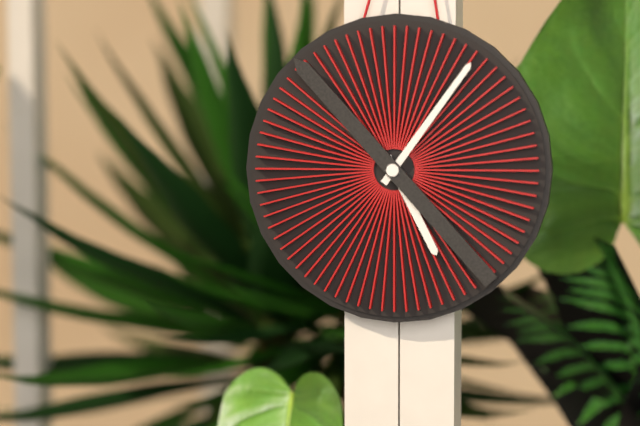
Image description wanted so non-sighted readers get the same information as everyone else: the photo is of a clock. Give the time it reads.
5:06:53
